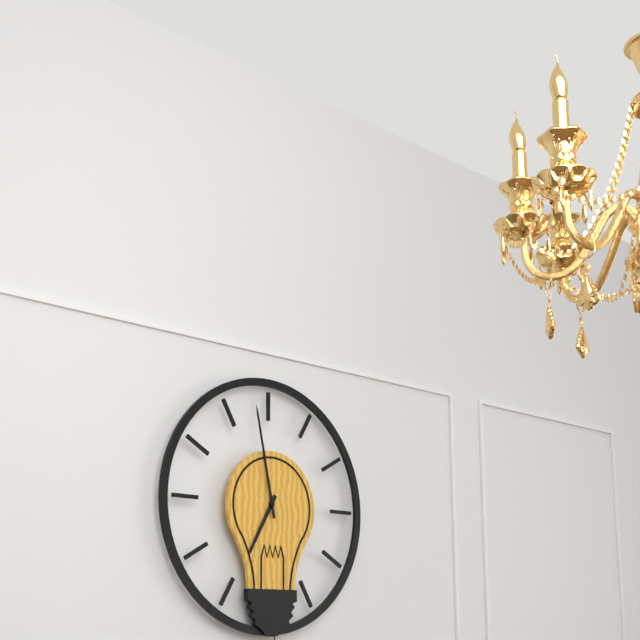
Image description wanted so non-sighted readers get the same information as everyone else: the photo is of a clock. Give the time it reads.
6:58
